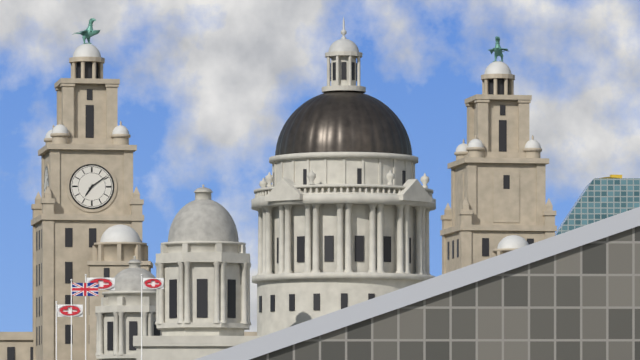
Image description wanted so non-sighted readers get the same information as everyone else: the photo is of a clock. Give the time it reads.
7:09
